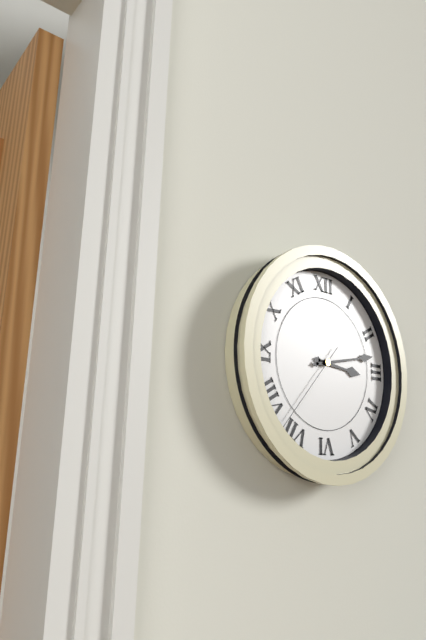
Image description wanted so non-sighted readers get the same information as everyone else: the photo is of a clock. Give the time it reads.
3:13:37
